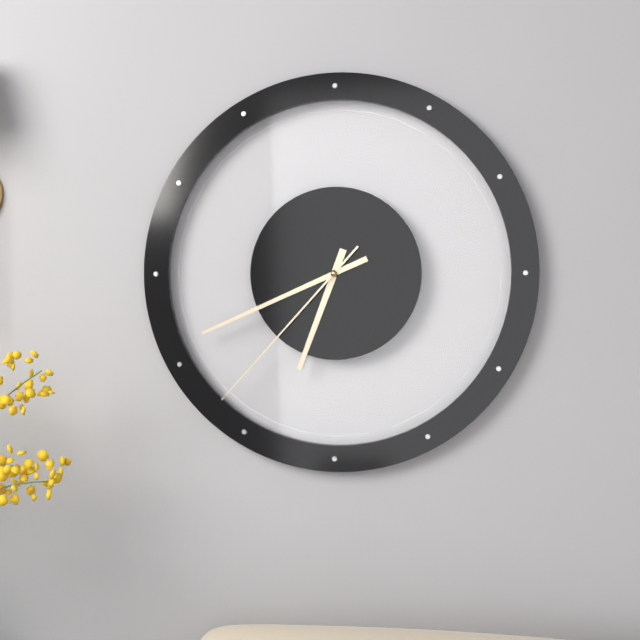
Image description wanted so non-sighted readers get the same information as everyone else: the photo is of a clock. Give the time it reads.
6:41:37
